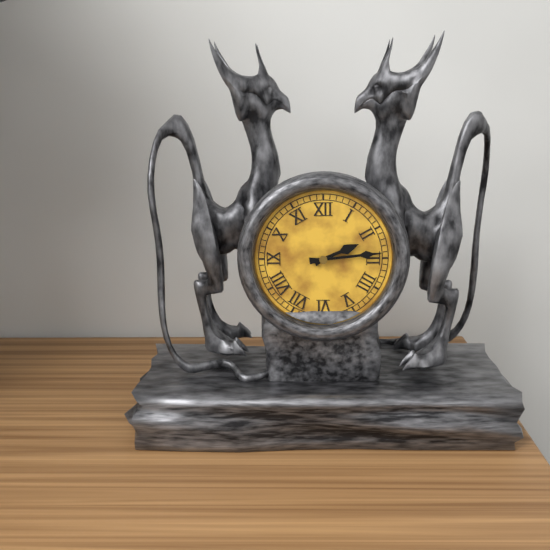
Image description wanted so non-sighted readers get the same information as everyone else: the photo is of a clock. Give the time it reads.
2:14
